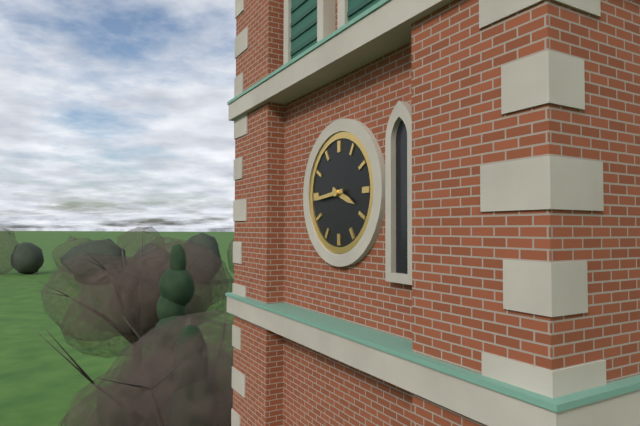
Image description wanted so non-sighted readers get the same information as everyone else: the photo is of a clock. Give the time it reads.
3:44
